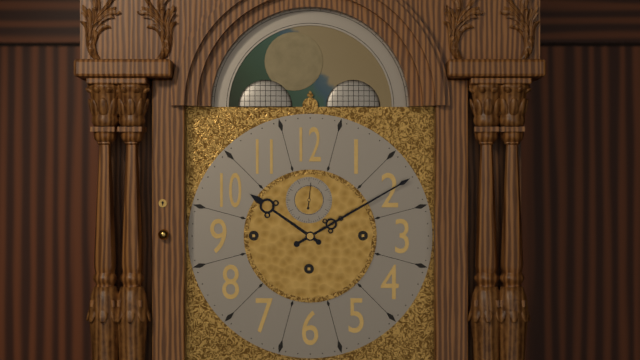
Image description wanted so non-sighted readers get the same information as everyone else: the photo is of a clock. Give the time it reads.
10:10
